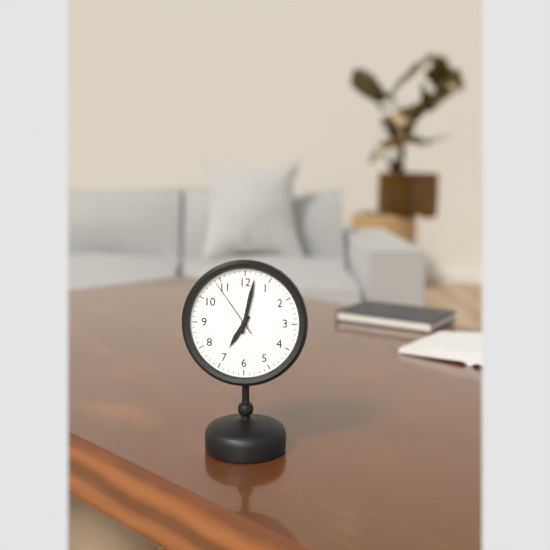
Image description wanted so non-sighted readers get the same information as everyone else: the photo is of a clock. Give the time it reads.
7:02:54
